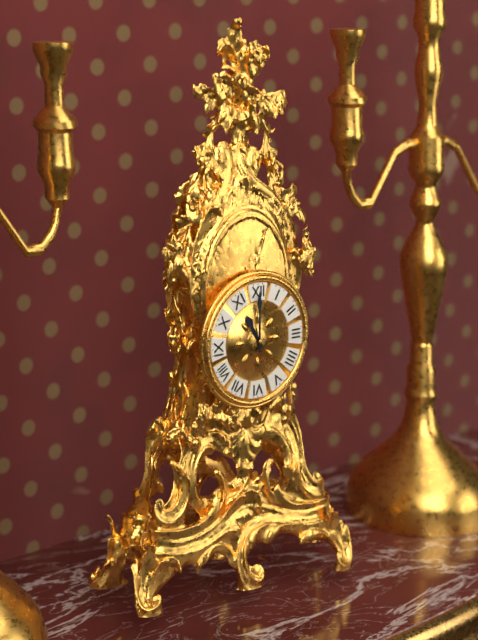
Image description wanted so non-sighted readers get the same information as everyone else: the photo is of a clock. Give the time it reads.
11:00
